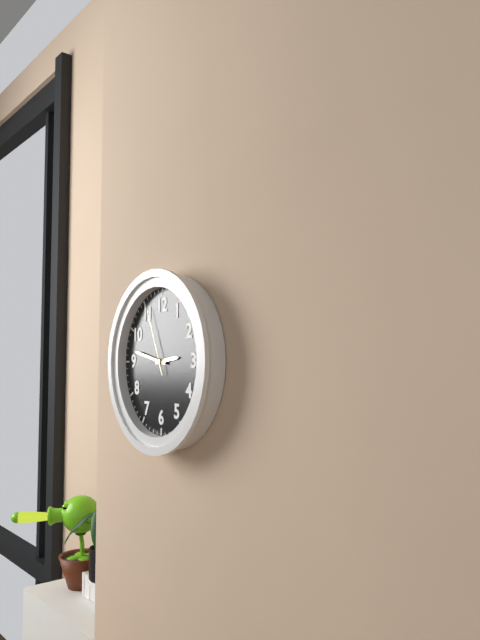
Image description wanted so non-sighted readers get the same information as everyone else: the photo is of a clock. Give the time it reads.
2:47:56
